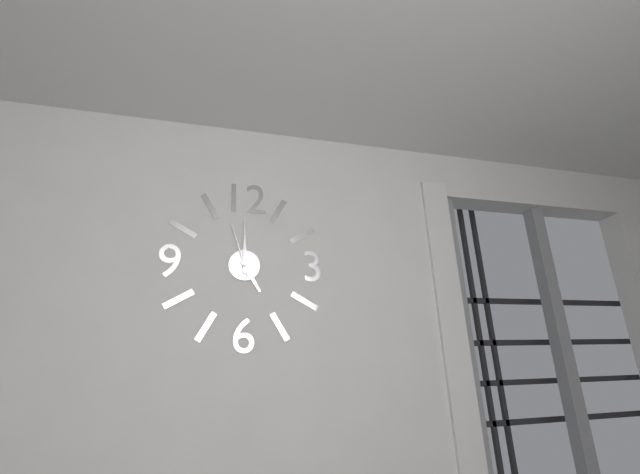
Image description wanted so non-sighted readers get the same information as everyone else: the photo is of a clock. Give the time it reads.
5:00:57
